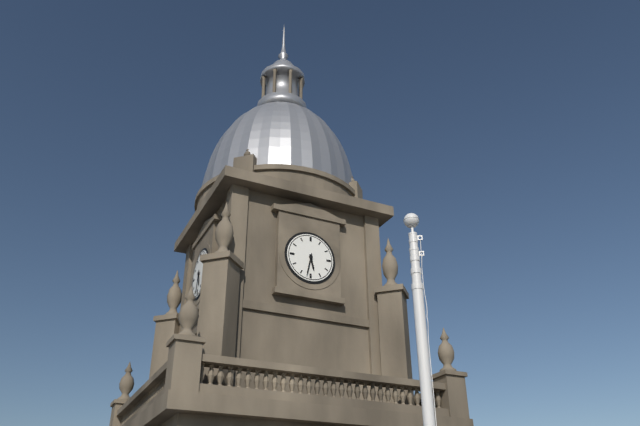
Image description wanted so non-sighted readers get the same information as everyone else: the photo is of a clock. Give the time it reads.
5:32
